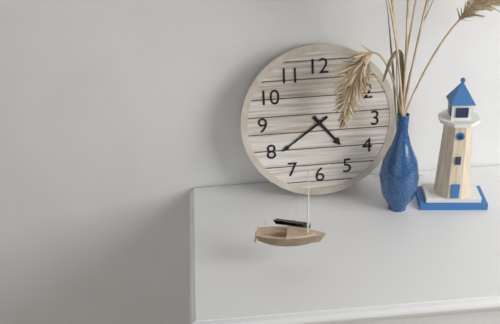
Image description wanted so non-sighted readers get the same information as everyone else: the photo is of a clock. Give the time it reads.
4:39
